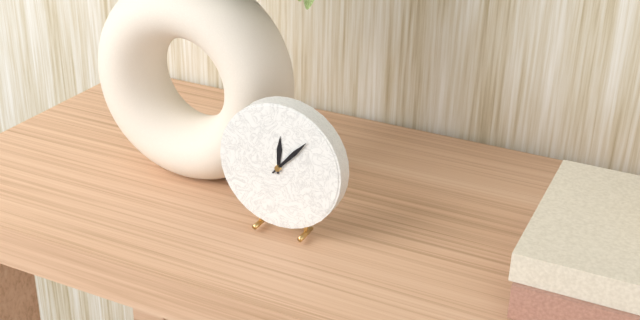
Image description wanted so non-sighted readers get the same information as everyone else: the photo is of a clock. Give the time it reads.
12:07
